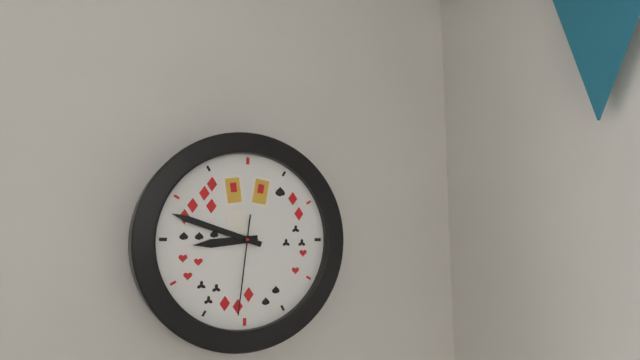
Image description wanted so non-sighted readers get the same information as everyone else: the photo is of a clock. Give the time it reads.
8:48:31
